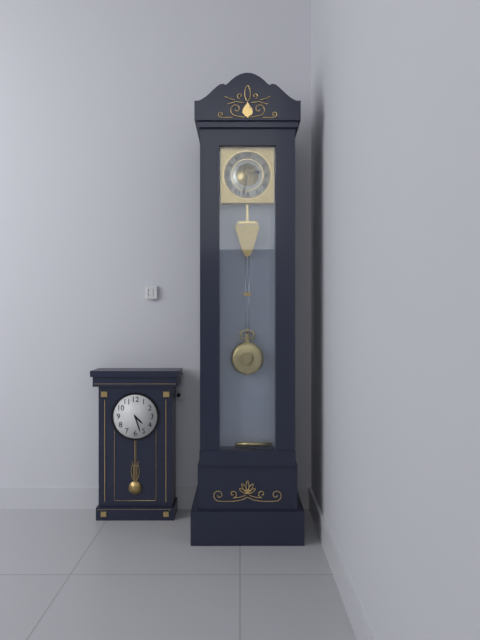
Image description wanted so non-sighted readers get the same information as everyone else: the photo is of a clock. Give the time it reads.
2:32
